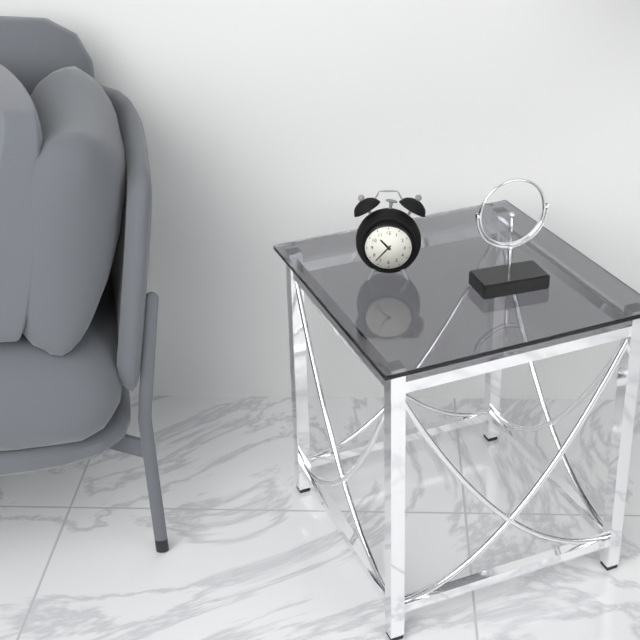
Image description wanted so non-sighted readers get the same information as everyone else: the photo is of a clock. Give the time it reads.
10:37
